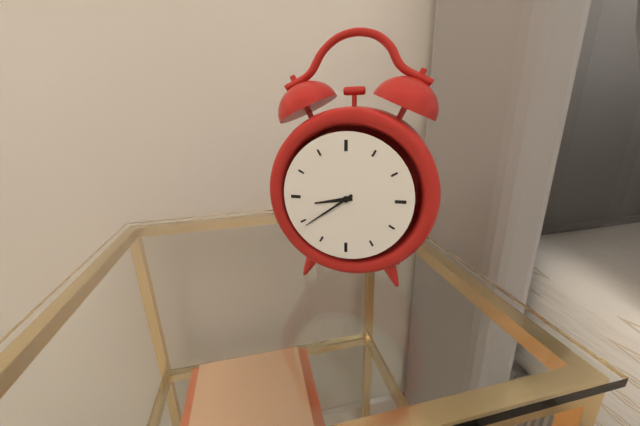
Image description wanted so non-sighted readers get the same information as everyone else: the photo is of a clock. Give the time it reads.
8:39
